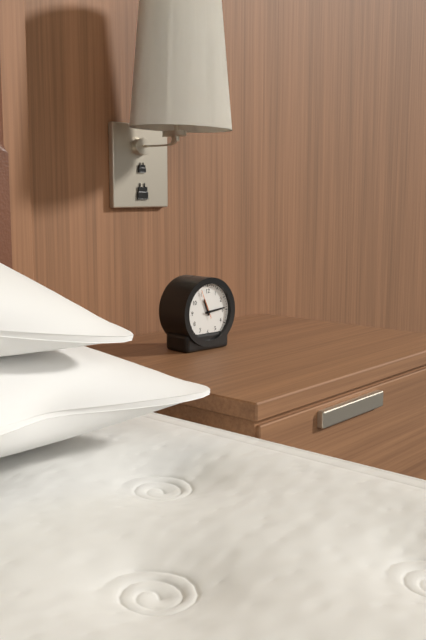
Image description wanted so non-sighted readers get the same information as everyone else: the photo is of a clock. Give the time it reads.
11:14
